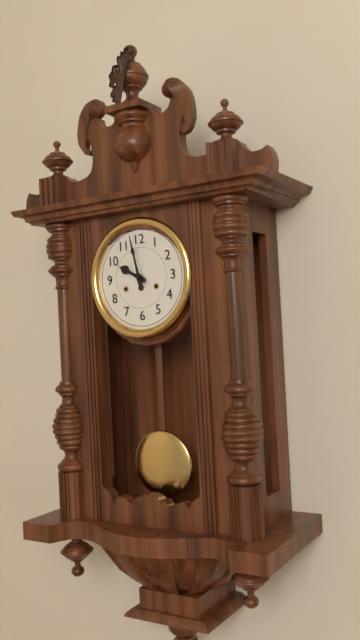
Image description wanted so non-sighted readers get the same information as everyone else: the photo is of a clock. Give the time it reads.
9:58
